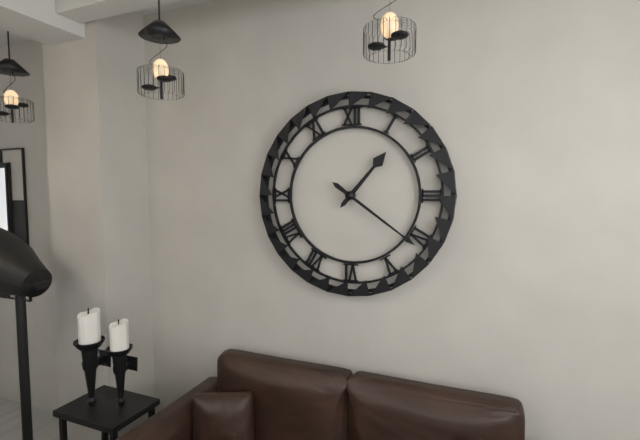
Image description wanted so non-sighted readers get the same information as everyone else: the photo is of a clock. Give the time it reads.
1:21
